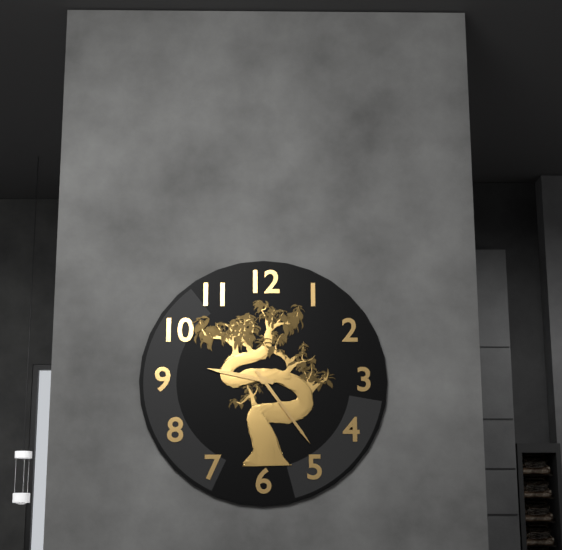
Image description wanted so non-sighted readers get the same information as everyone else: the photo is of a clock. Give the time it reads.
9:24
